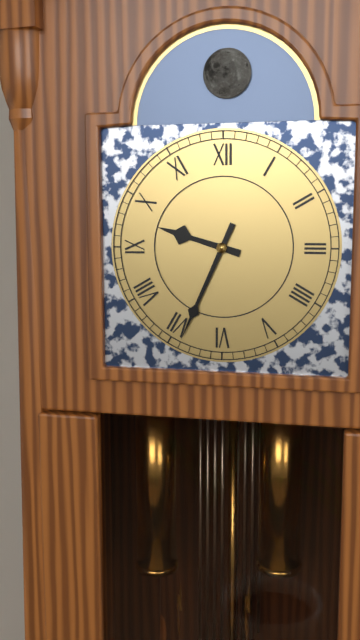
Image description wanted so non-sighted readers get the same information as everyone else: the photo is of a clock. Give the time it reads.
9:34
